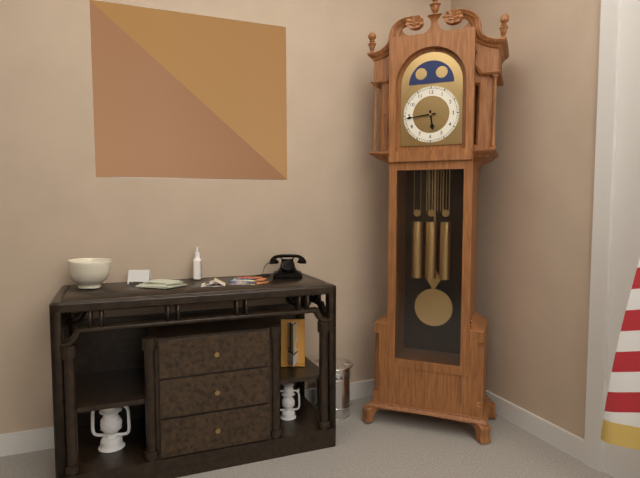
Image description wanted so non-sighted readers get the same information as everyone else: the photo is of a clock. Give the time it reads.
5:44
